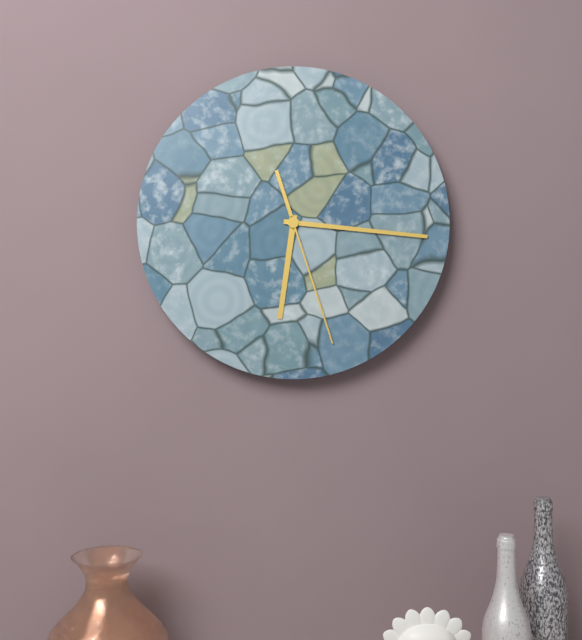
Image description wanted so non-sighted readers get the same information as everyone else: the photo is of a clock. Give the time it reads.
6:16:27
